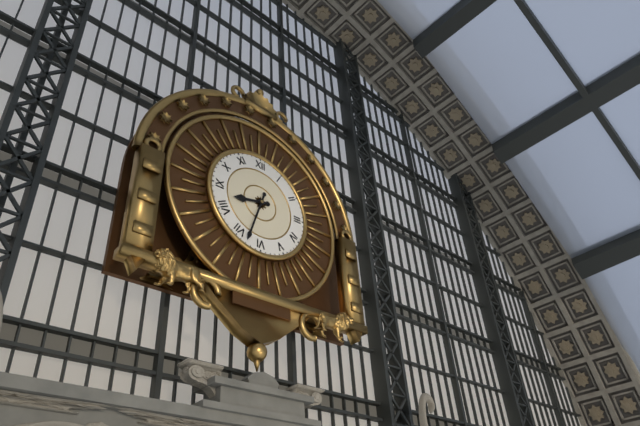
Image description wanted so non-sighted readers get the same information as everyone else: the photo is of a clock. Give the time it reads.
8:33
